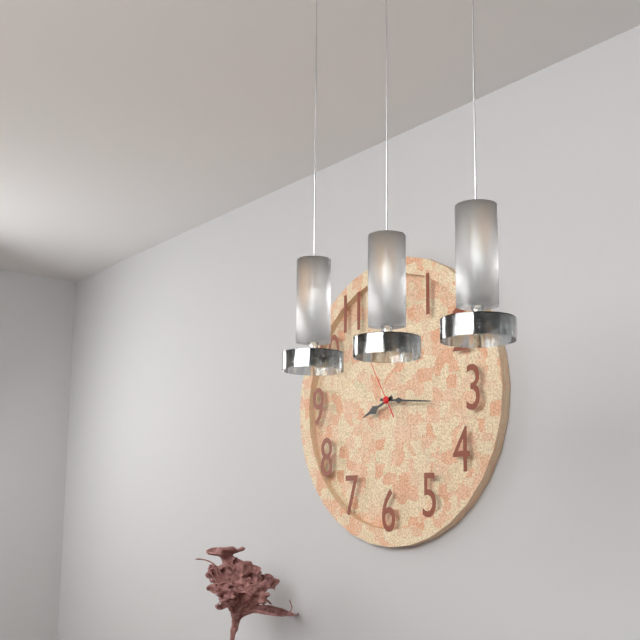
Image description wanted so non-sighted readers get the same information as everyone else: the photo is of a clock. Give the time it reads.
8:16:55
